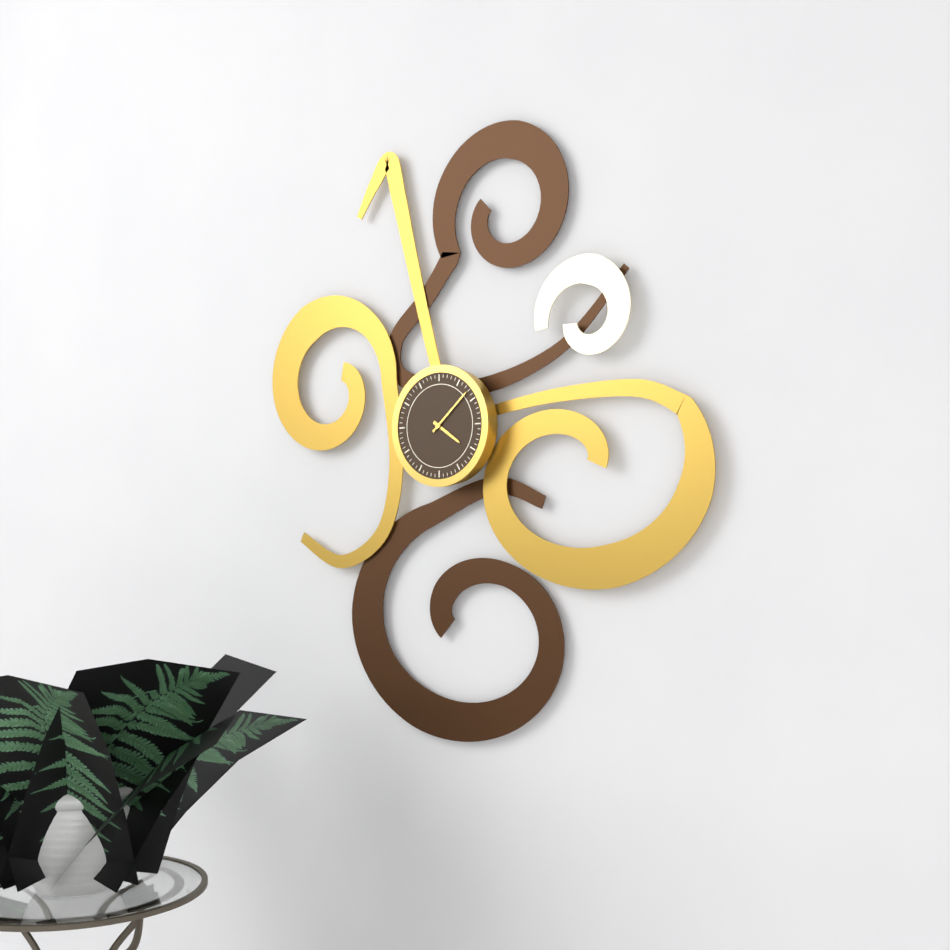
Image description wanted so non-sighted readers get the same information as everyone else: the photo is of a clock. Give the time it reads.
4:08
